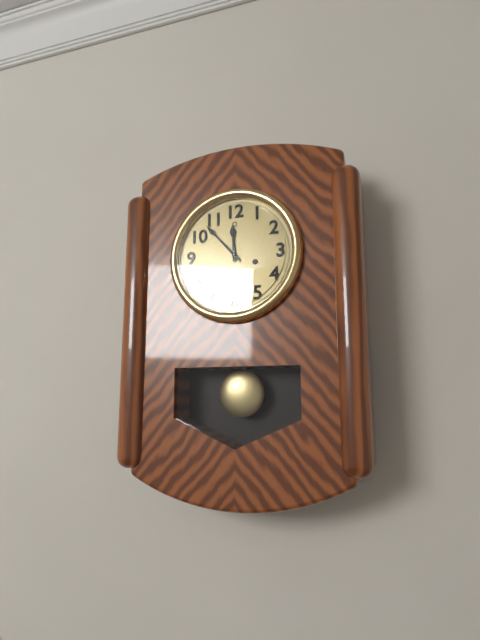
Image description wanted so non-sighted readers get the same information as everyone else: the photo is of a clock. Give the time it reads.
11:53
